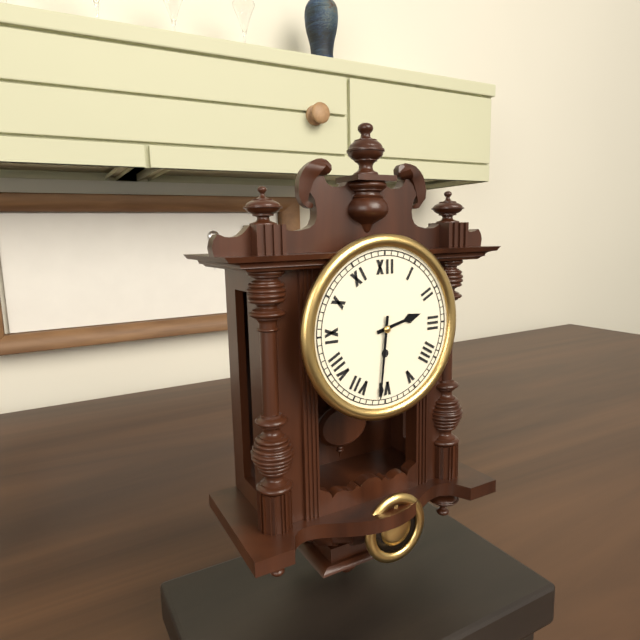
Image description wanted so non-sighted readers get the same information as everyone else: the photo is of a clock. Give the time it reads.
2:31
